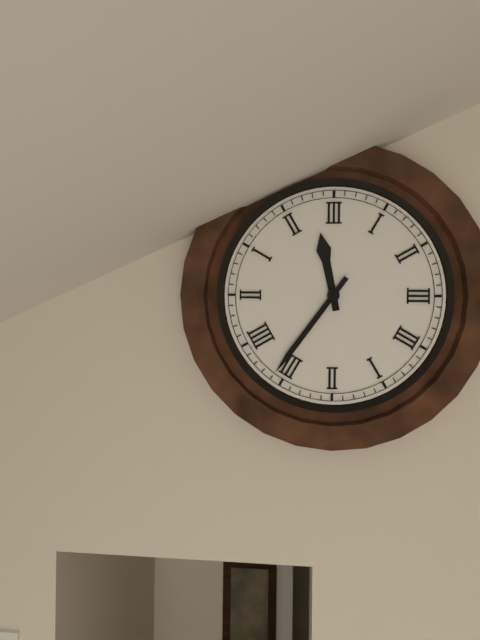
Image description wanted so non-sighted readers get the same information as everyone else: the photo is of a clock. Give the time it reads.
11:36
